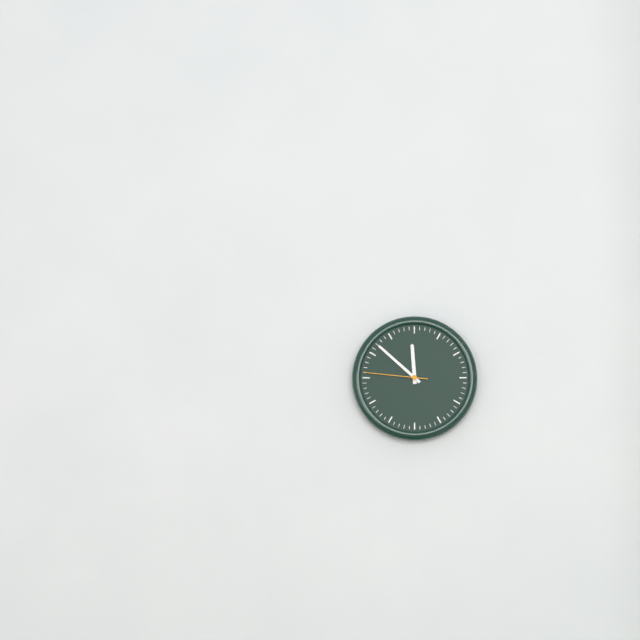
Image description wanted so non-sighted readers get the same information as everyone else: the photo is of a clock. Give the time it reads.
11:52:46
